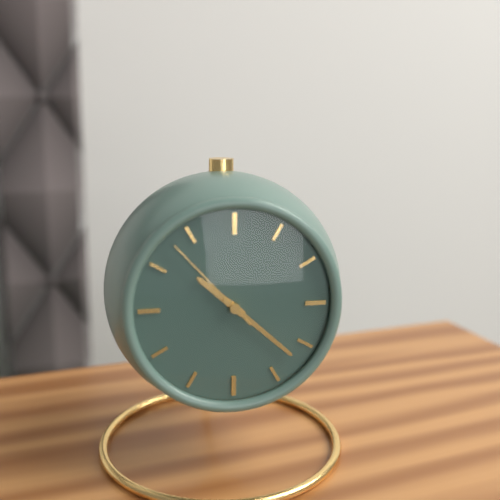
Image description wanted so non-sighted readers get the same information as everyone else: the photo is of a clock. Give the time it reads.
10:22:53
